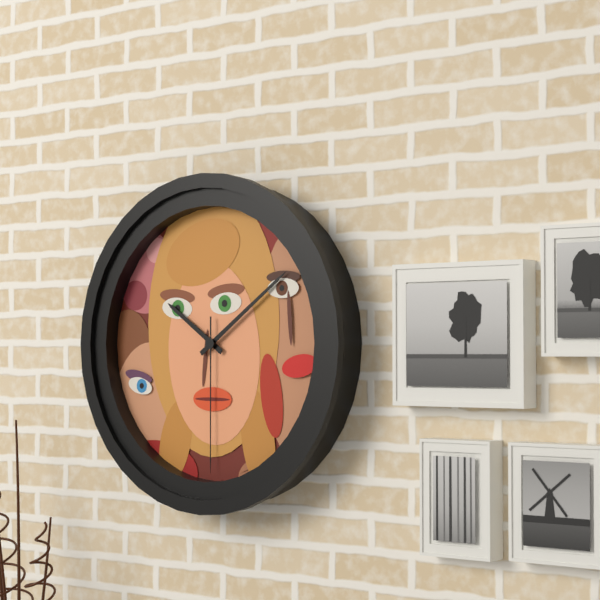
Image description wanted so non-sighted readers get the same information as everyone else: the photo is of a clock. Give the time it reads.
10:09:30
